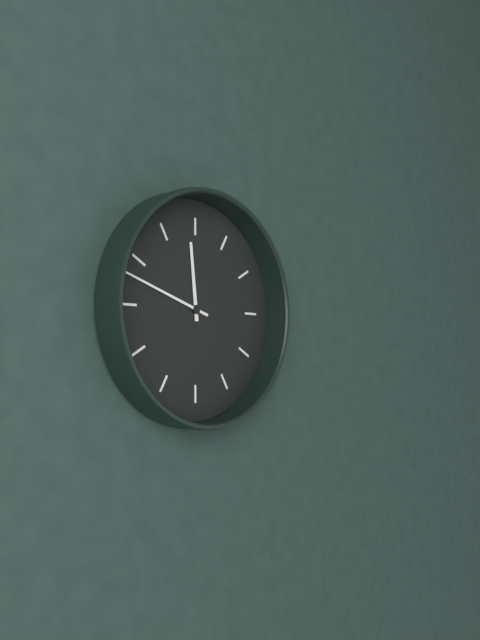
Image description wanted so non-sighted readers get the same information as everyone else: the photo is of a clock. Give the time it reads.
11:48
